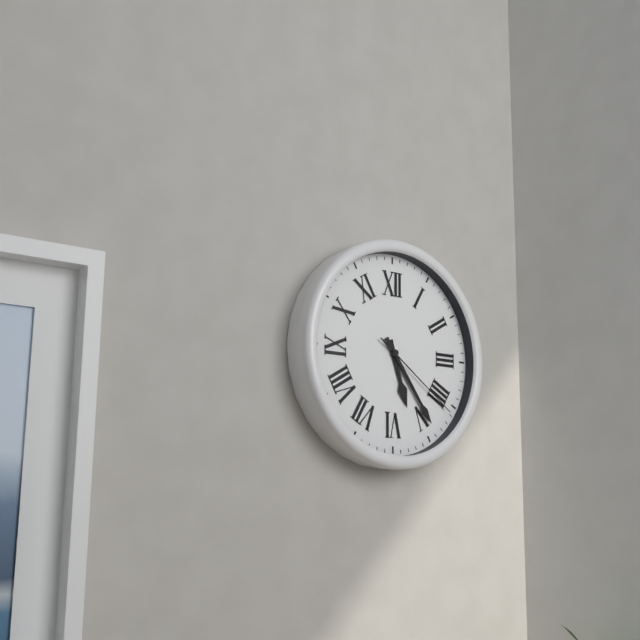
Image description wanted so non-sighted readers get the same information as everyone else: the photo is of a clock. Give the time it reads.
5:24:21
